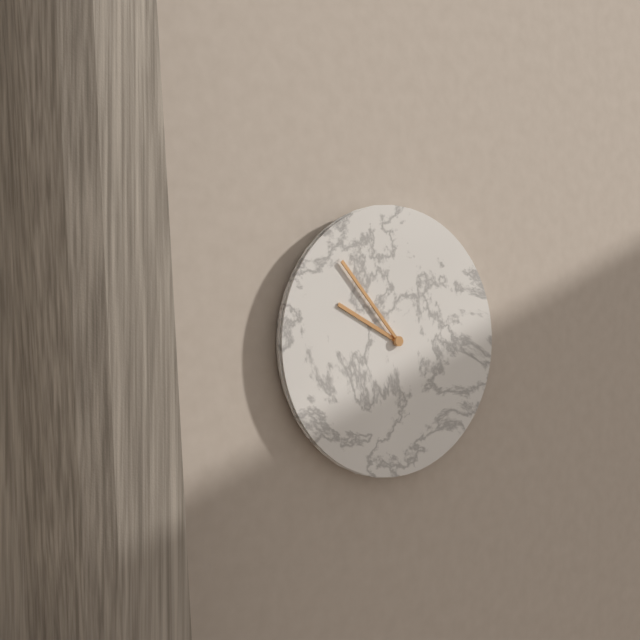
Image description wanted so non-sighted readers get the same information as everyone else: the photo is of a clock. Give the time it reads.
9:53
